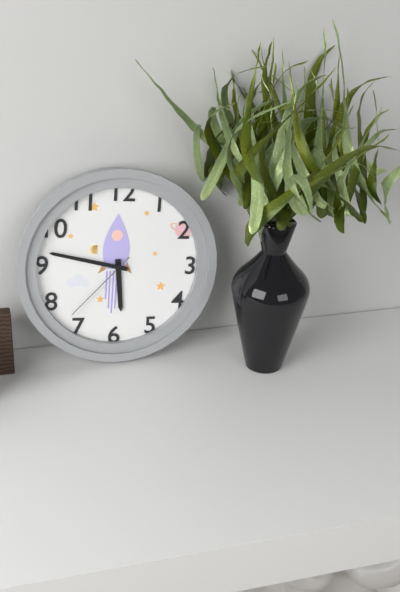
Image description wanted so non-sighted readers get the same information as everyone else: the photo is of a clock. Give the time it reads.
5:47:37
